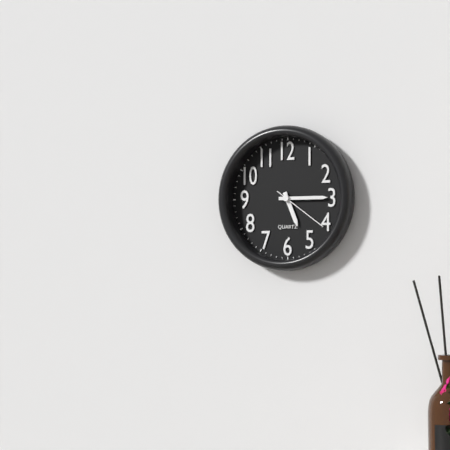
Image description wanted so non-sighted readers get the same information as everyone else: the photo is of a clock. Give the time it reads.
5:15:21
